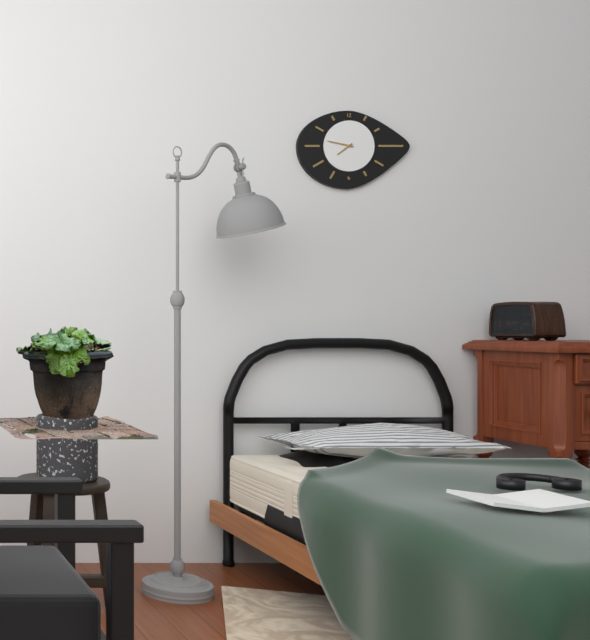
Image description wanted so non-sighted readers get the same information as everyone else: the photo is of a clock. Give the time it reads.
7:47
